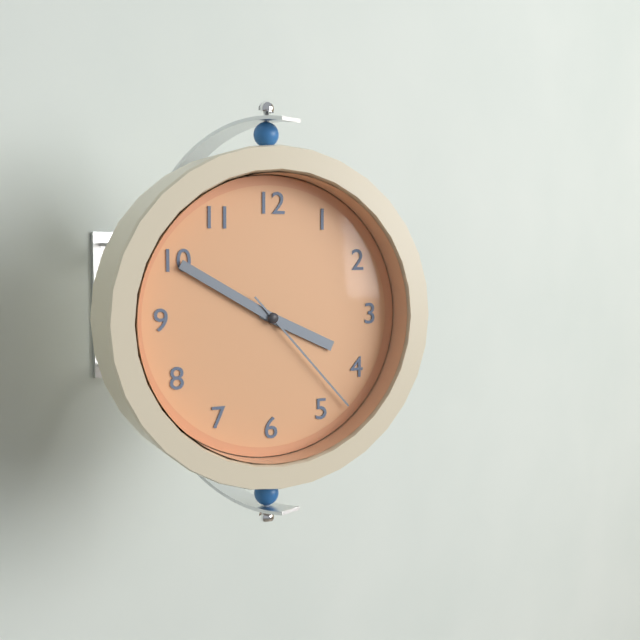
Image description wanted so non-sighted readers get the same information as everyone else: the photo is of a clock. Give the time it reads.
3:50:23
